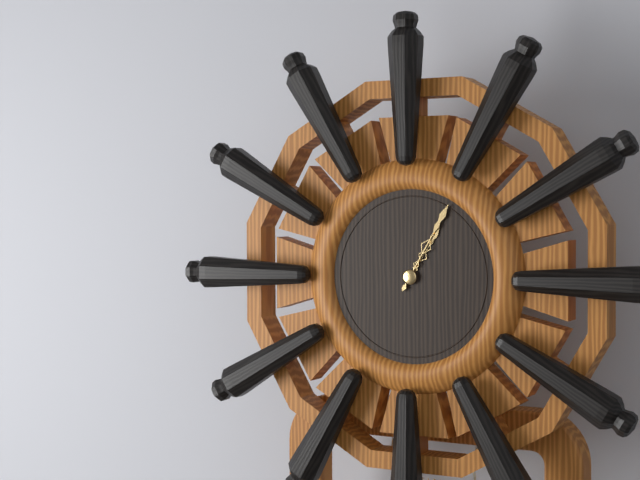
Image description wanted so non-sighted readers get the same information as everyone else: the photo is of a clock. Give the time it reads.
1:05
